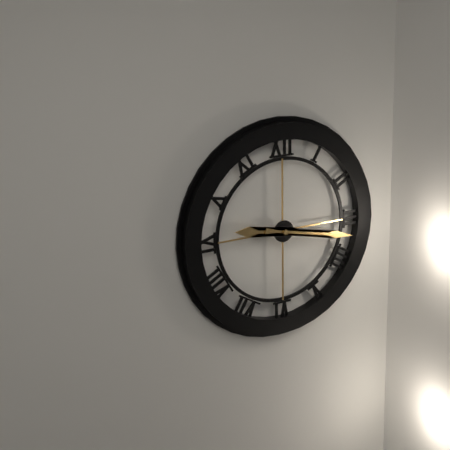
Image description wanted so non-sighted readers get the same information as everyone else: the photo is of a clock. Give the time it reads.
9:17
